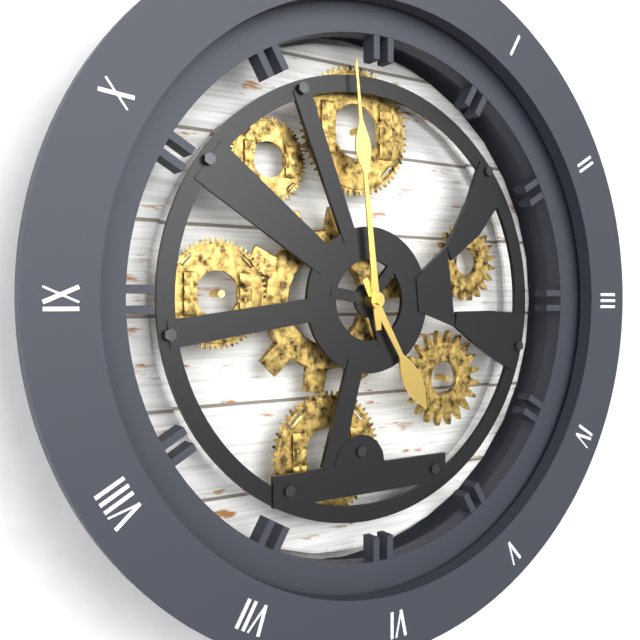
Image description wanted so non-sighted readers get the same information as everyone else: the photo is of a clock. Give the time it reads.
4:59
